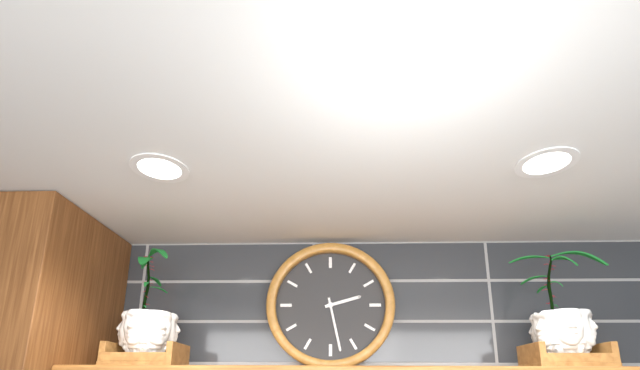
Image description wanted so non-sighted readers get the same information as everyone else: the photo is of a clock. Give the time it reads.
2:28
